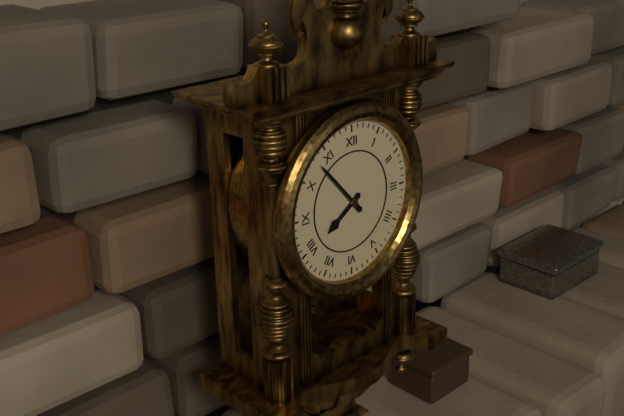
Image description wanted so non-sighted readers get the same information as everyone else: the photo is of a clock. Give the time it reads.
7:53
